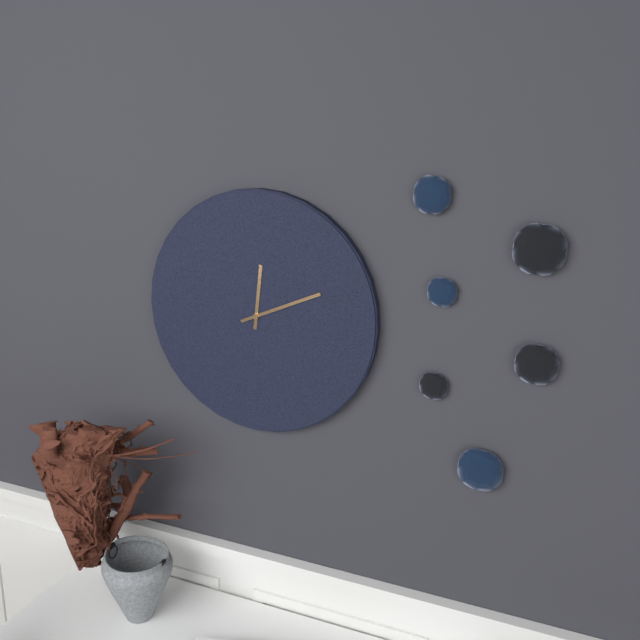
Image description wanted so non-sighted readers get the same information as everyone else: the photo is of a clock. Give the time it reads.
12:11
